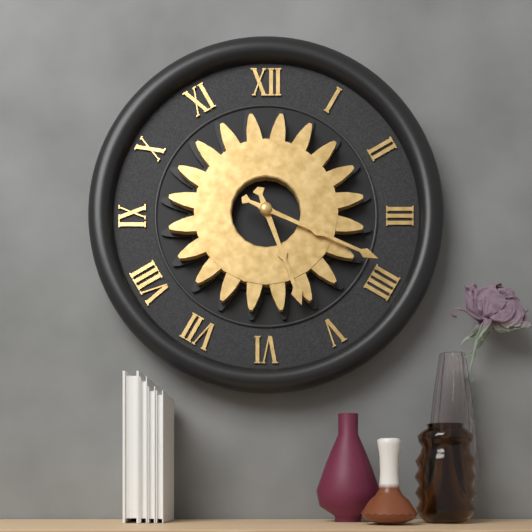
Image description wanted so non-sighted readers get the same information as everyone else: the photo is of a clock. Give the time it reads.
5:19
